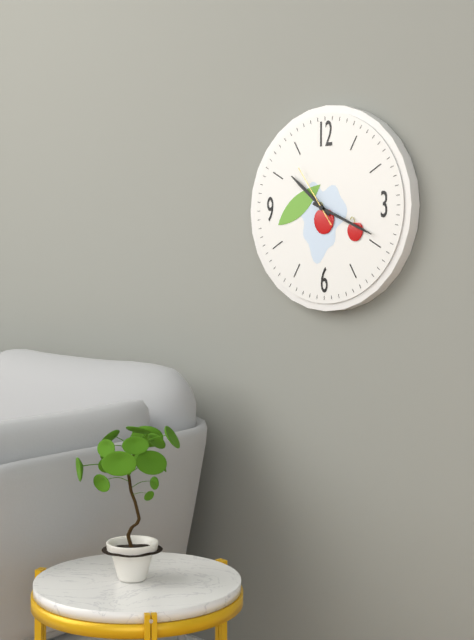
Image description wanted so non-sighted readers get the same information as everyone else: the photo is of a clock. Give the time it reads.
10:19:54
